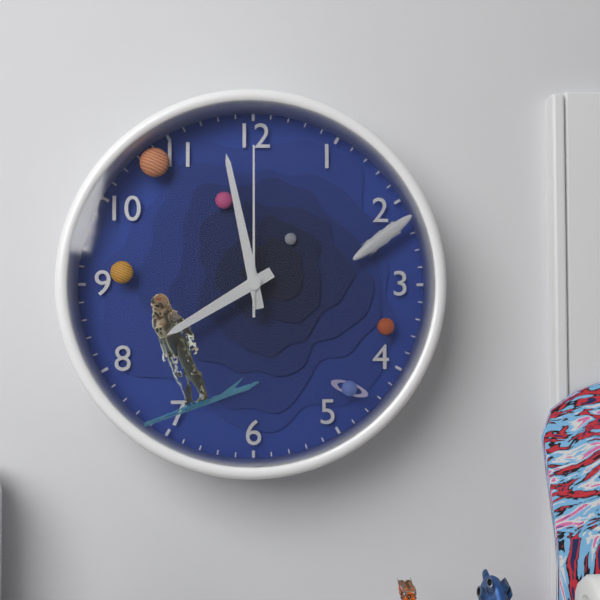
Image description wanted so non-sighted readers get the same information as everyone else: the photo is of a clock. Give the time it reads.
7:58:00
